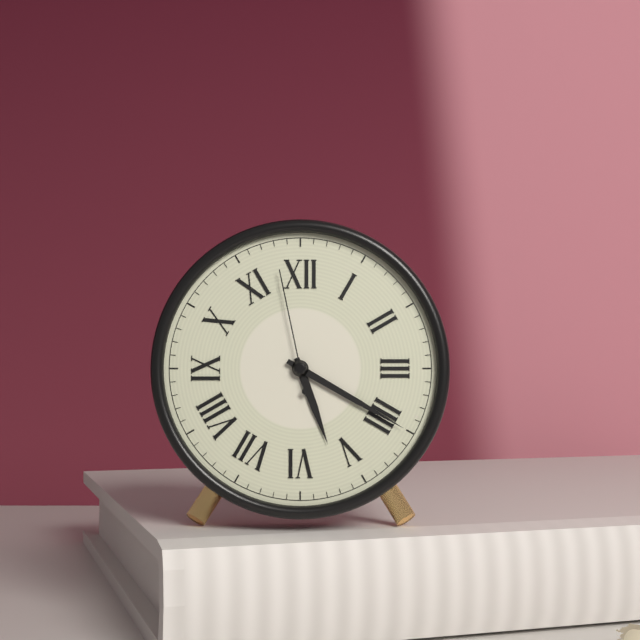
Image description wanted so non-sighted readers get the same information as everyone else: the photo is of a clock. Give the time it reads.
5:20:58
